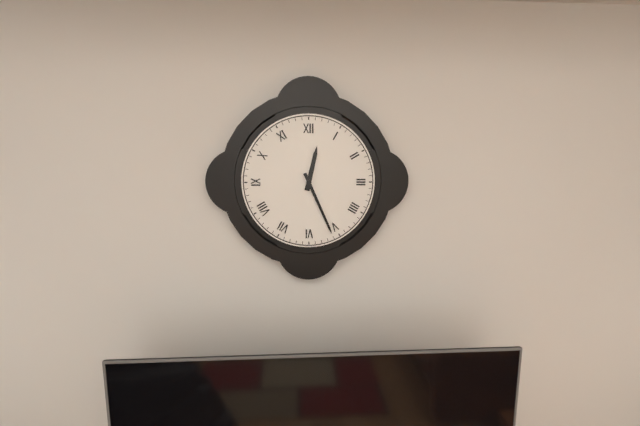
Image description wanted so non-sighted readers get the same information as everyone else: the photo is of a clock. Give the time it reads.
12:26
